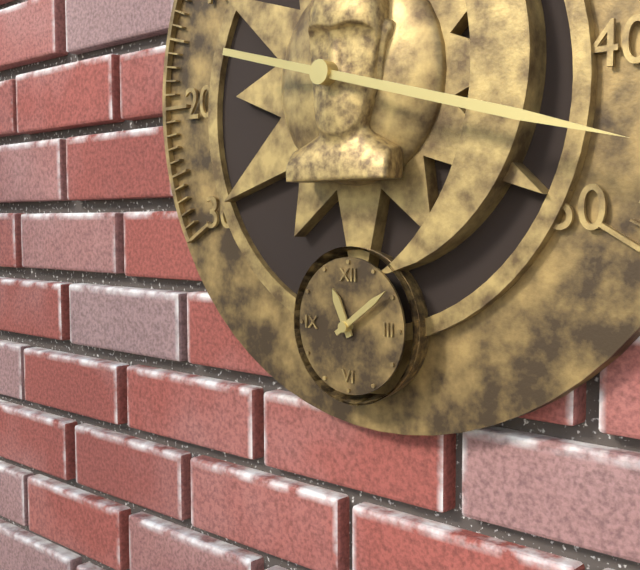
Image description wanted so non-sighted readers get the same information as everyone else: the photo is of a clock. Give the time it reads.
11:09
